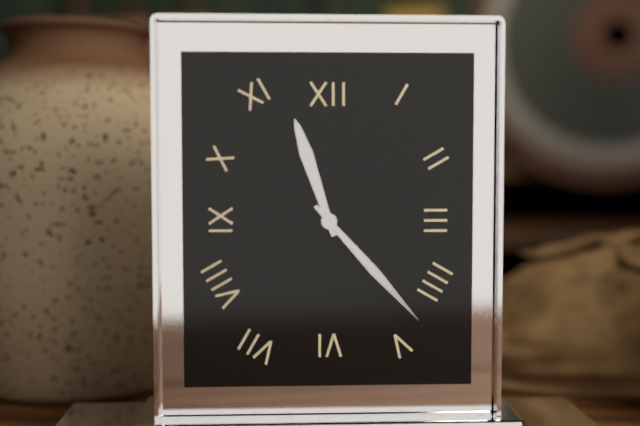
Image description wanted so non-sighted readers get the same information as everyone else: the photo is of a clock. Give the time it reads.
11:23
